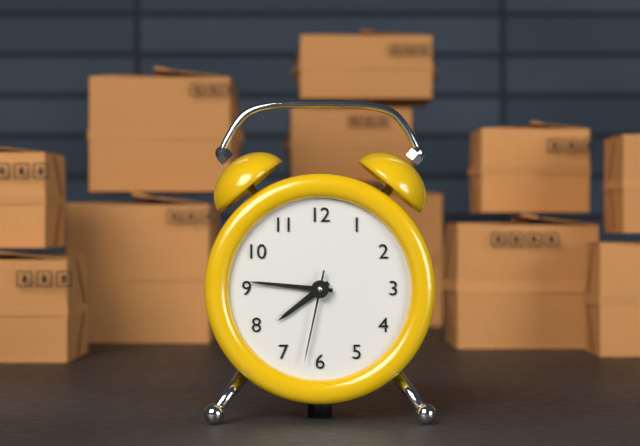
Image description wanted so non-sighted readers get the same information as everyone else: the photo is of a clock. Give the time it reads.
7:46:32
